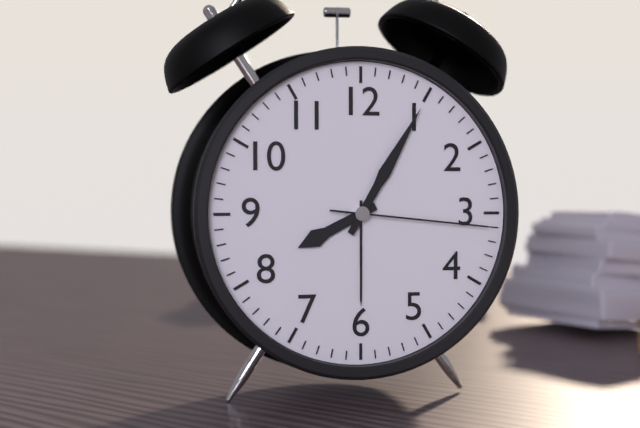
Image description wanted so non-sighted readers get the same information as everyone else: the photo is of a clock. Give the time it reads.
8:05:16
